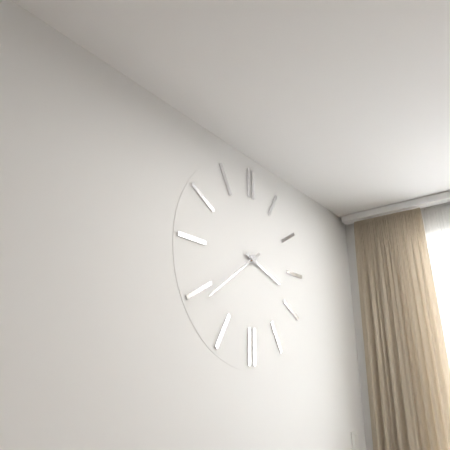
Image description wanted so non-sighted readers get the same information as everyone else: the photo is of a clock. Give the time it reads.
3:39
